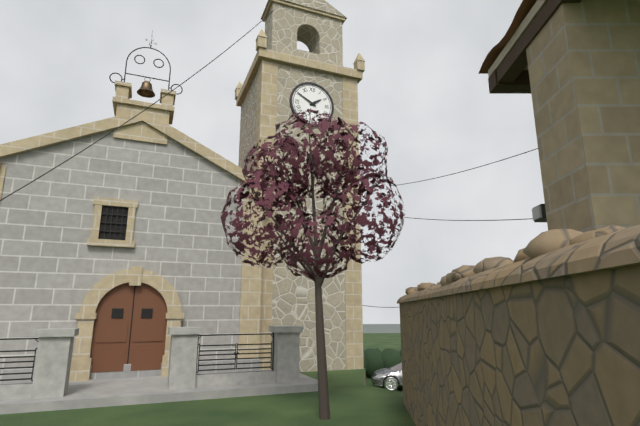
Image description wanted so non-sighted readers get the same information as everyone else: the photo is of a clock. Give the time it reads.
1:50
